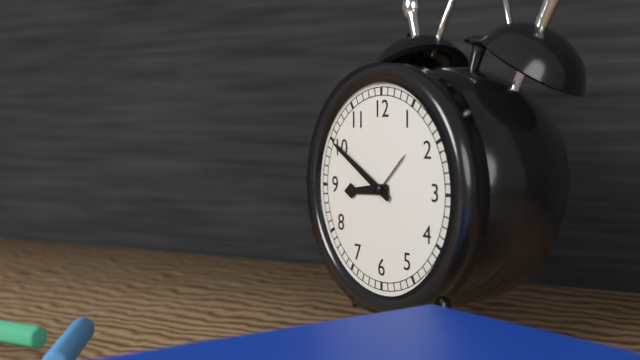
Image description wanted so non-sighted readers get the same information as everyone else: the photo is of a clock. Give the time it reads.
8:50
